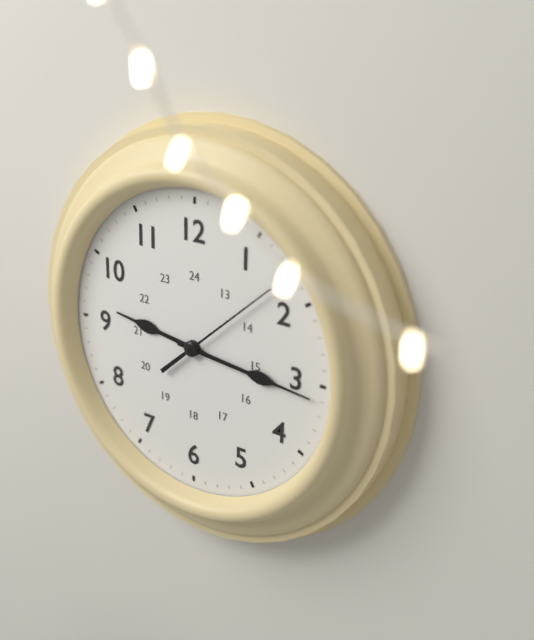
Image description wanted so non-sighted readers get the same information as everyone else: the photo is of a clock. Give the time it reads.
9:16:08
